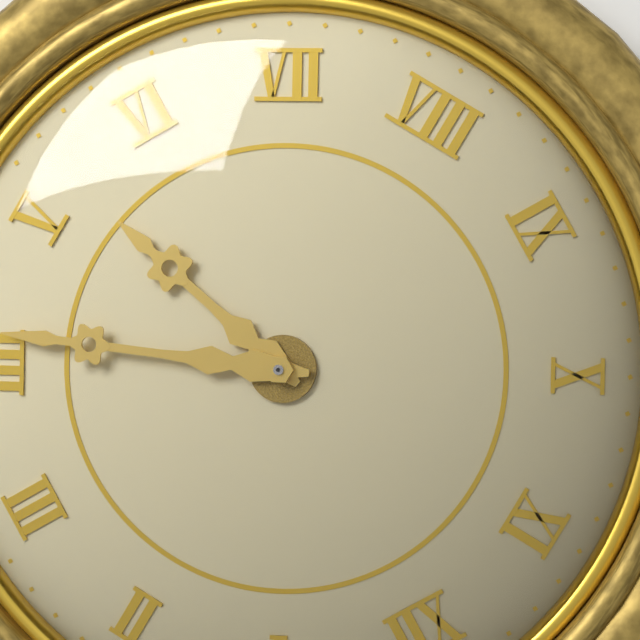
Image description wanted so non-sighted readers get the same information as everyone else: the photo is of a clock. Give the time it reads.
5:21
